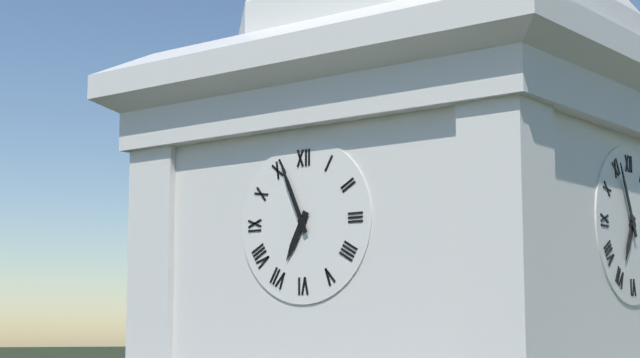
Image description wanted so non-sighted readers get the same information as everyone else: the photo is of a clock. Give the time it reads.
6:56
